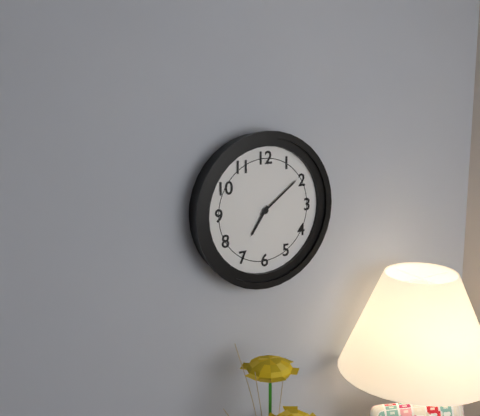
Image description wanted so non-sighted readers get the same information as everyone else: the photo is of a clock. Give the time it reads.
7:09
